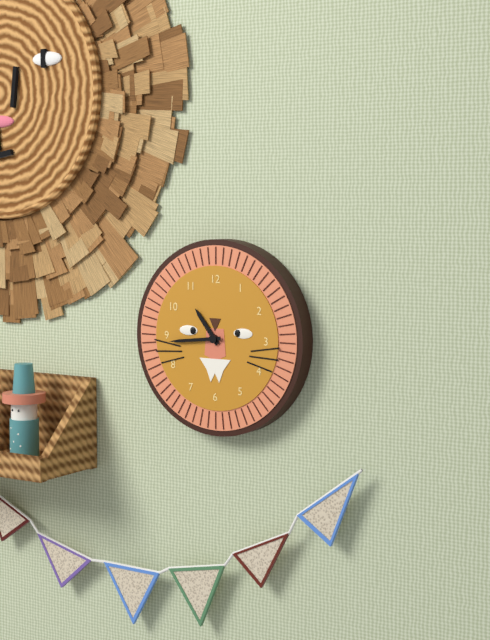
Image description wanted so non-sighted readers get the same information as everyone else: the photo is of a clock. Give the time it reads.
10:44
